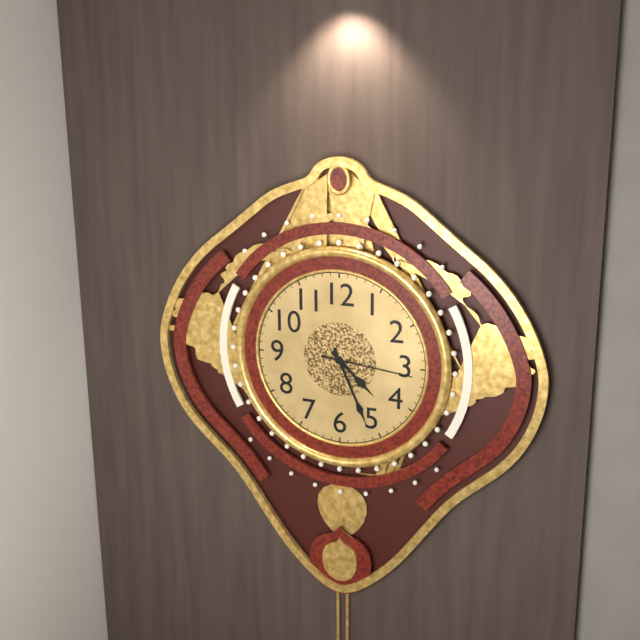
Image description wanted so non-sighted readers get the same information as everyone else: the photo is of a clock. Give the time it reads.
4:26:16
